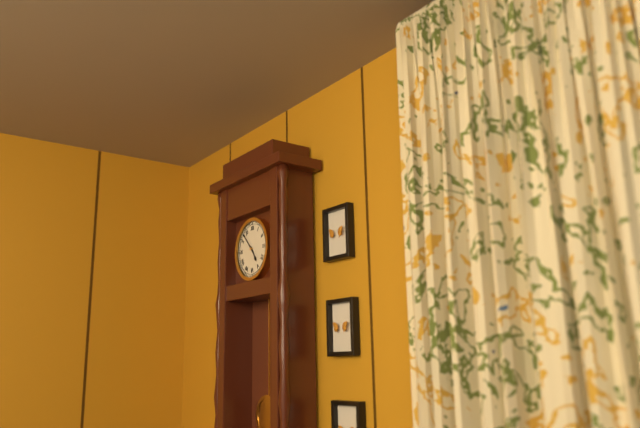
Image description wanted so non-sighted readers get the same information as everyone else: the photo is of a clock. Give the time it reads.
4:53
